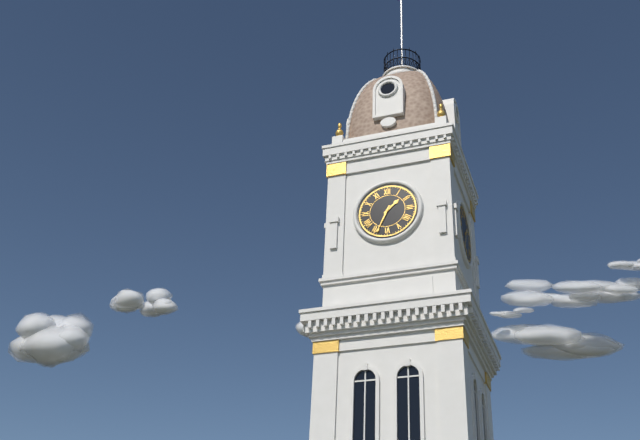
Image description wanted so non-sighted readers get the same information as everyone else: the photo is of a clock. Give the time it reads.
1:34
